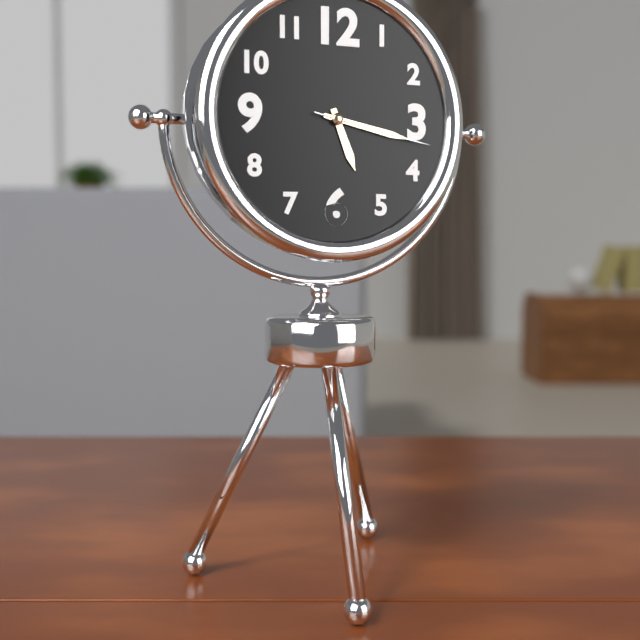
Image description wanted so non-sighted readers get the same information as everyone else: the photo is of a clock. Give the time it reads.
5:17:17
